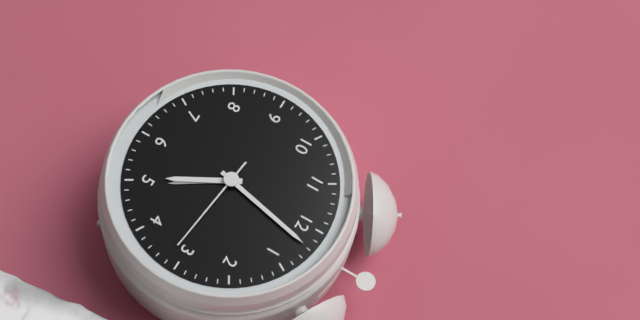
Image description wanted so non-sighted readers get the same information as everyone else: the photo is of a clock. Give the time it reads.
5:02:16
